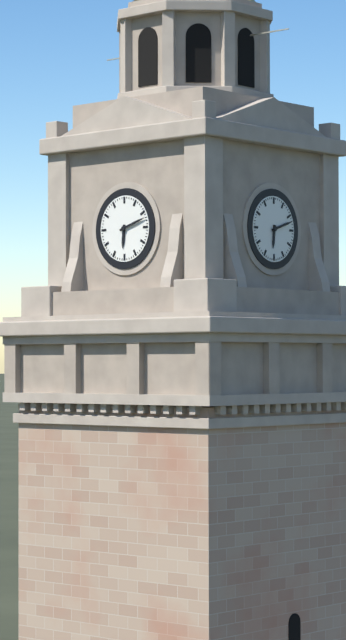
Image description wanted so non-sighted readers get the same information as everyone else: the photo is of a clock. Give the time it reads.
6:12
